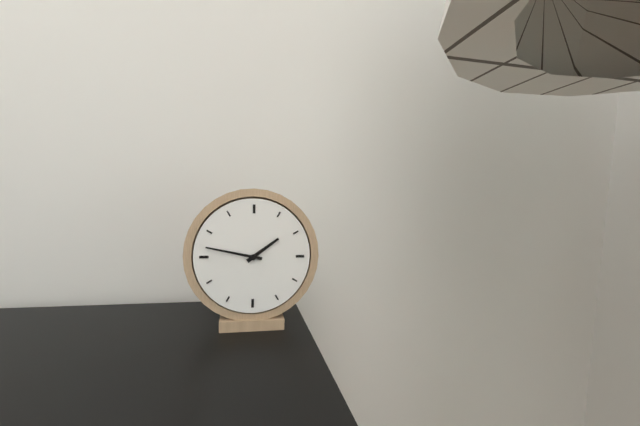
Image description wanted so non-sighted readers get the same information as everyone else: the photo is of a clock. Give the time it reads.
1:47
